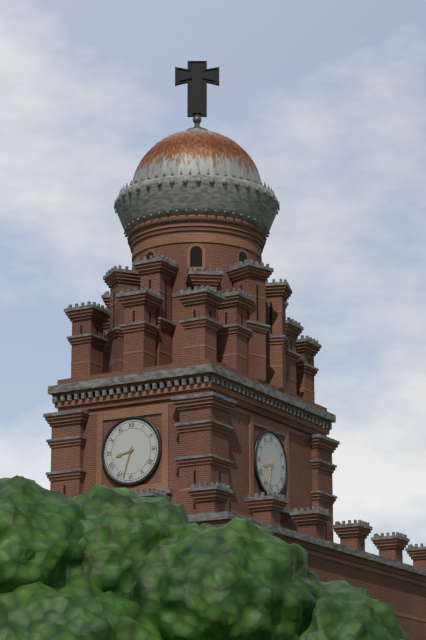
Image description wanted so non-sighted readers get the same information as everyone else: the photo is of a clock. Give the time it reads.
8:33
